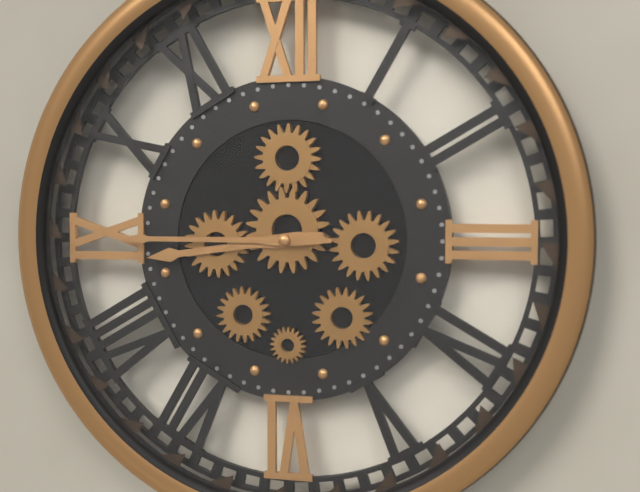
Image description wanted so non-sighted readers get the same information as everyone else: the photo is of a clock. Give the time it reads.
8:45
